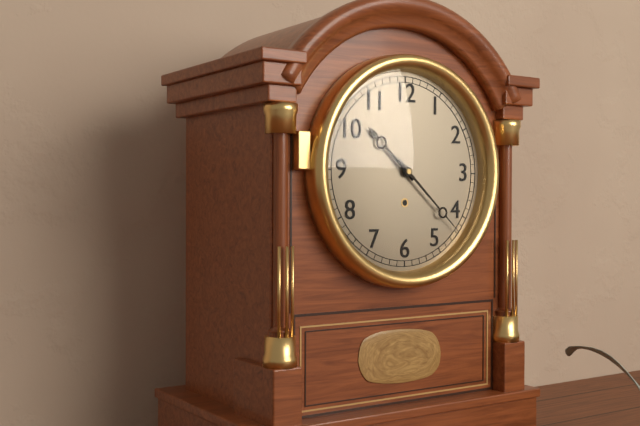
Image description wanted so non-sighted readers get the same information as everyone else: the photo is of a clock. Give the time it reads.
10:22
